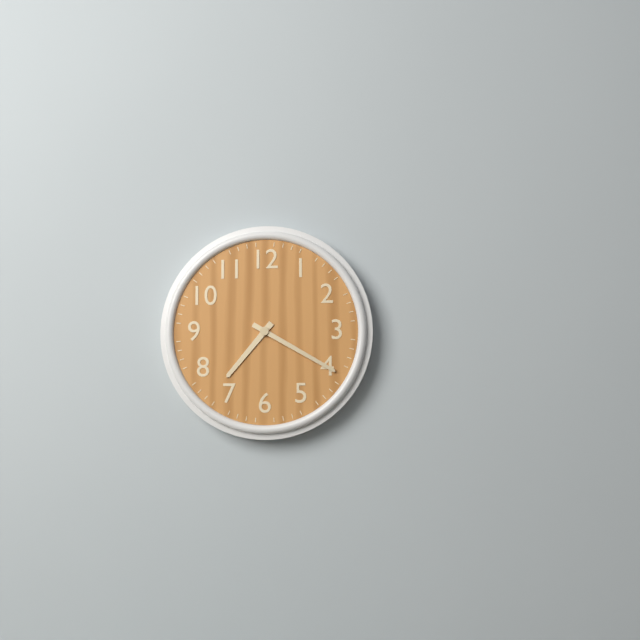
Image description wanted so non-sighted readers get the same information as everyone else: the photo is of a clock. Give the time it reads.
7:20
